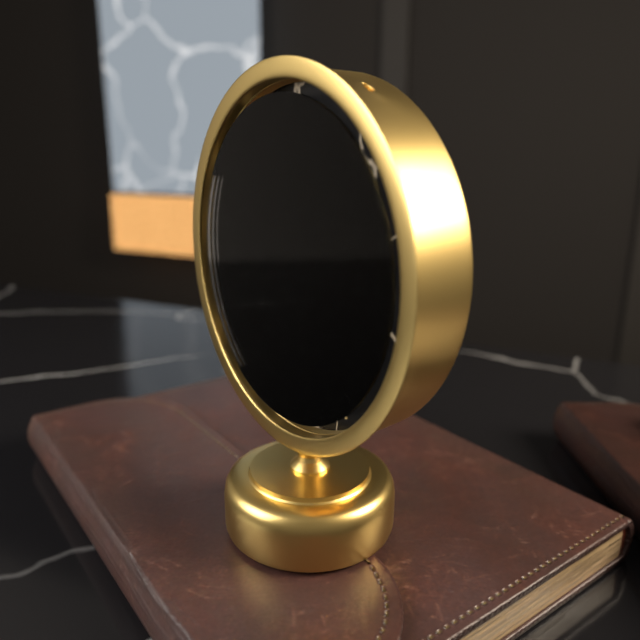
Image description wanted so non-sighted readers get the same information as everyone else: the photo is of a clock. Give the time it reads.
10:42:35
